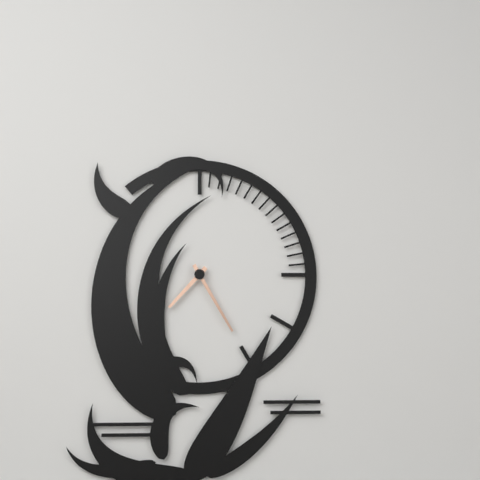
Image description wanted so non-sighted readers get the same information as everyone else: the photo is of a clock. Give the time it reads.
7:25
